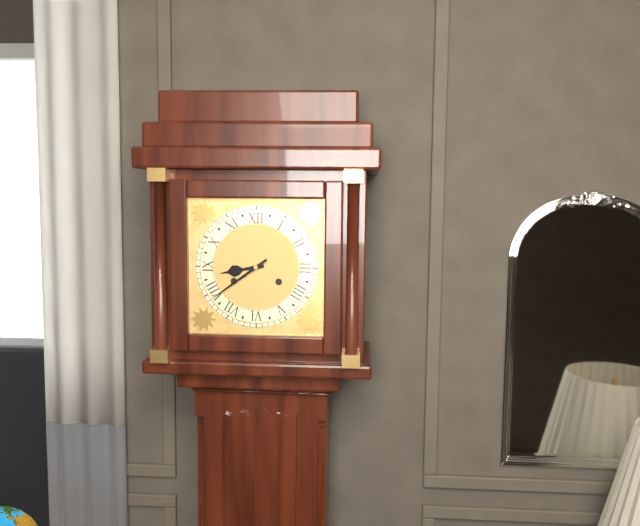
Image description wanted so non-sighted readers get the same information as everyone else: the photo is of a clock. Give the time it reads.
8:39
